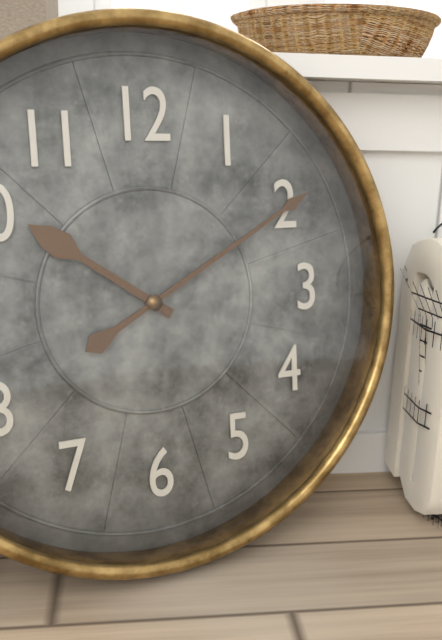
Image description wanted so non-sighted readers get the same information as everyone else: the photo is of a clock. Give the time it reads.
10:10
